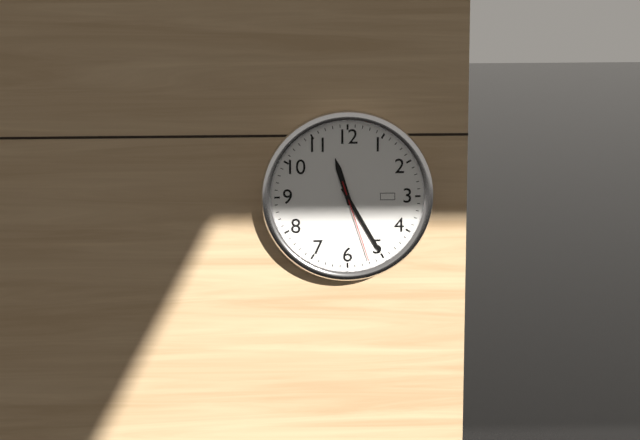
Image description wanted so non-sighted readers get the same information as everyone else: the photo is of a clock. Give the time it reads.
11:25:27
